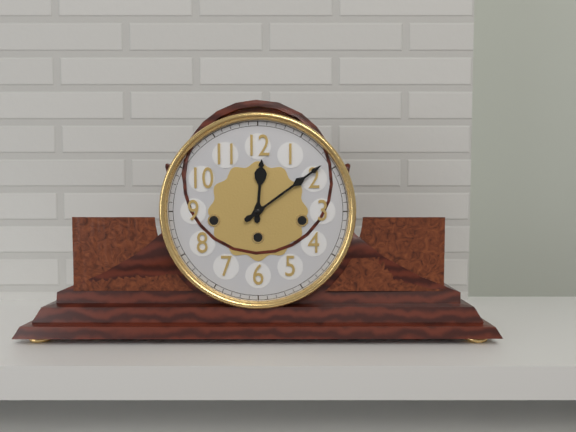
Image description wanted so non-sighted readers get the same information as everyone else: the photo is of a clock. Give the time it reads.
12:09
